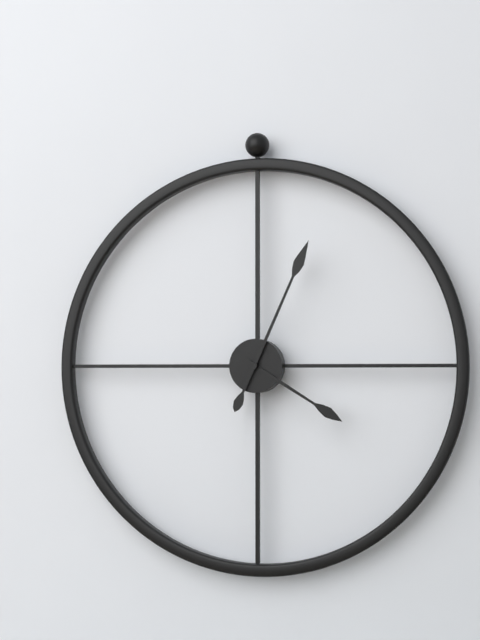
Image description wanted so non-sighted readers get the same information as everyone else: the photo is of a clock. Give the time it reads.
4:04
